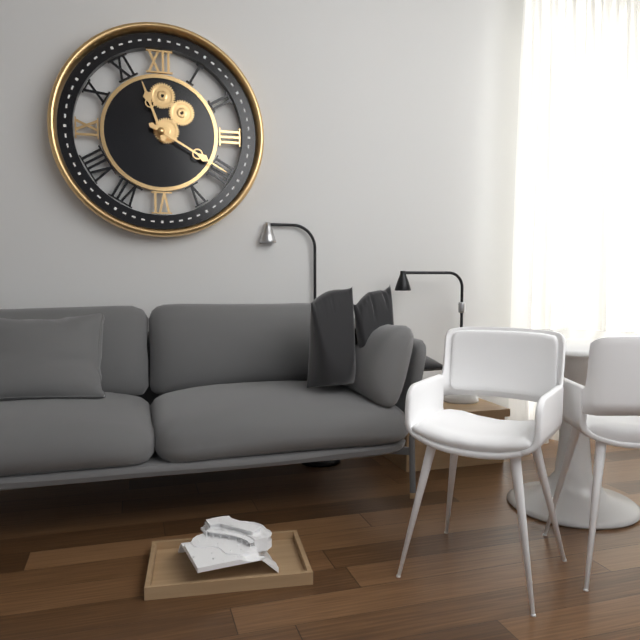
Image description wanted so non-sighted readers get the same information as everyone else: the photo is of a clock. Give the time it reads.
11:20
